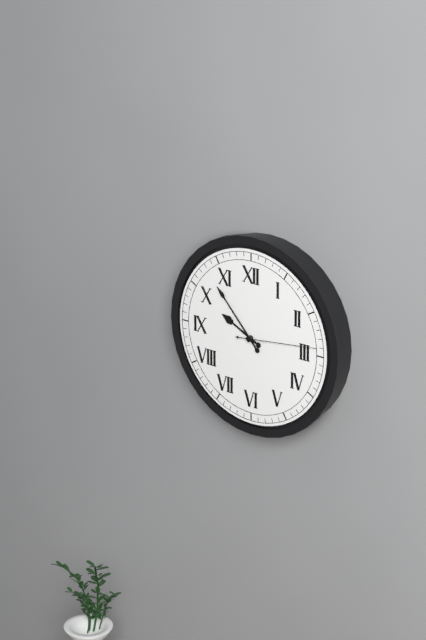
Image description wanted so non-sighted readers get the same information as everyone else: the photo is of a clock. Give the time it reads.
9:53:14
